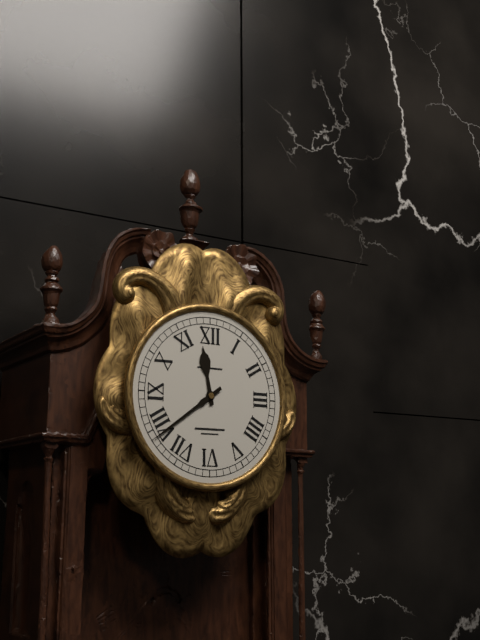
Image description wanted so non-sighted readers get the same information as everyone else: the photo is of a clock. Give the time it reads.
11:39
